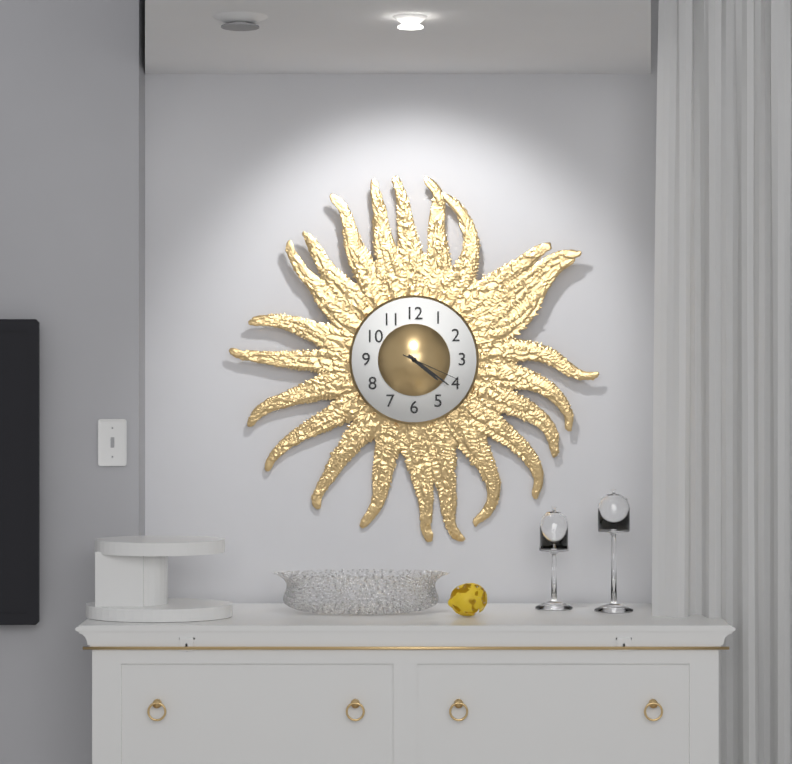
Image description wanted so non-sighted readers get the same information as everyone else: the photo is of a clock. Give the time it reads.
4:21:19
